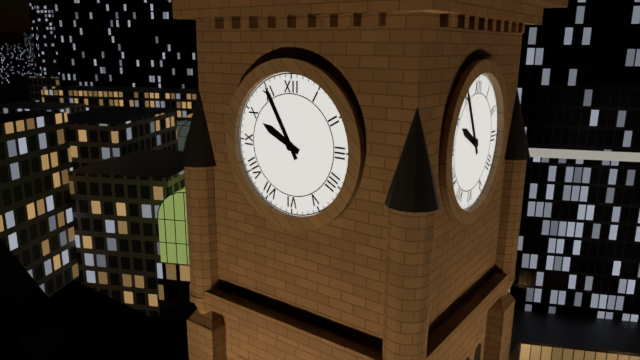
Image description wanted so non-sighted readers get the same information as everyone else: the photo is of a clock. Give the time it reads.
9:55
